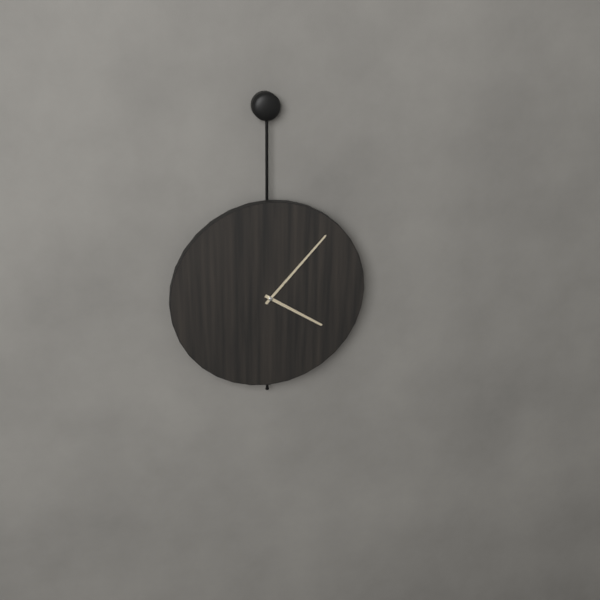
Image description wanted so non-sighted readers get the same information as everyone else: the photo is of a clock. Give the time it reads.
4:07
